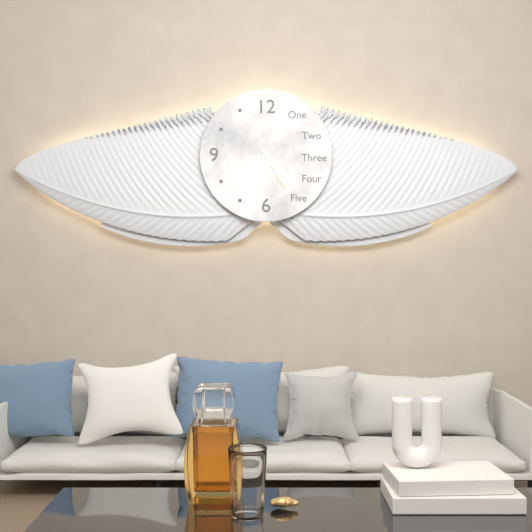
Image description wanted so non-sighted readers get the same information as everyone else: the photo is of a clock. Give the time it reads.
5:25
